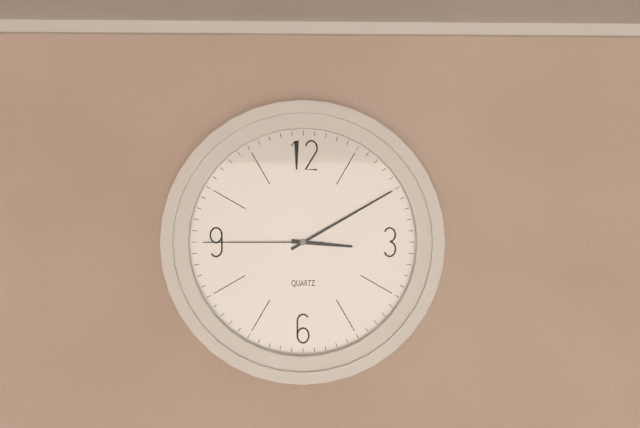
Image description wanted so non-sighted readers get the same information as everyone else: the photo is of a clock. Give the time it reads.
3:10:45
